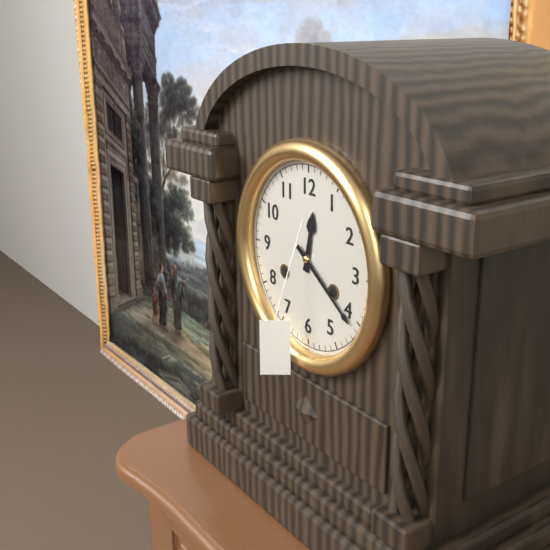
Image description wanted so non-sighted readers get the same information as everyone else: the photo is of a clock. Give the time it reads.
12:21
